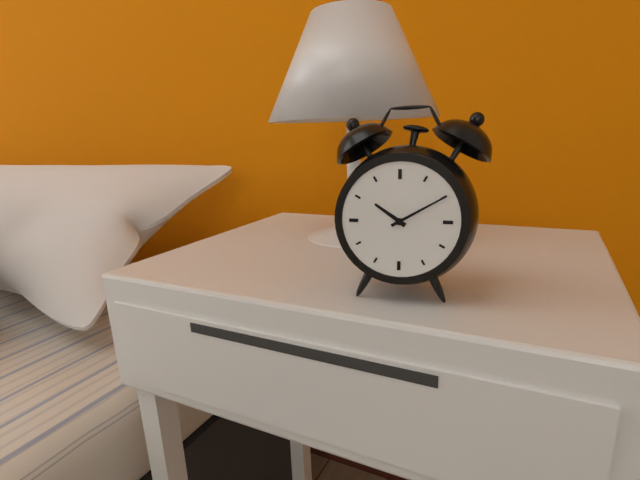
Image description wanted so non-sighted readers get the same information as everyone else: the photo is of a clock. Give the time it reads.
10:10
